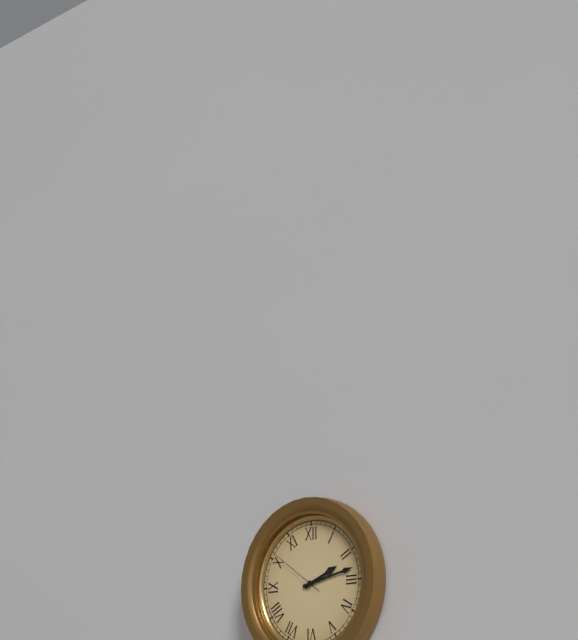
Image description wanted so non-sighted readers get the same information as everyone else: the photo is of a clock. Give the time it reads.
2:13:51
